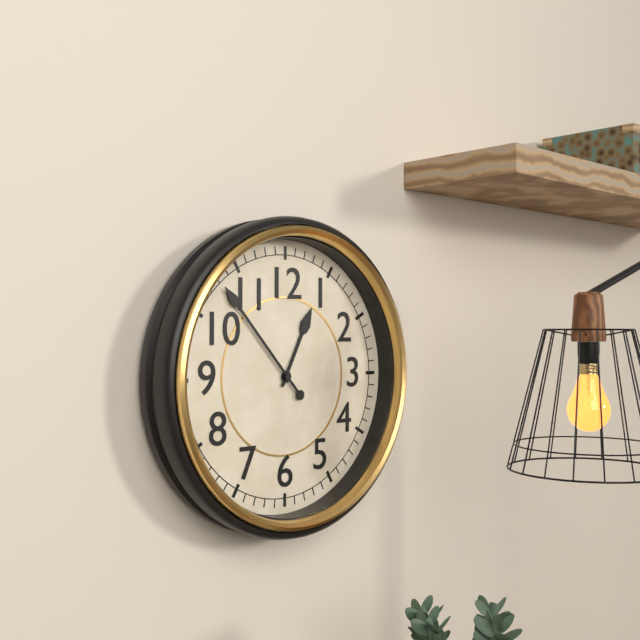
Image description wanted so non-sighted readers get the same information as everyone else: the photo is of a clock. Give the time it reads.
12:53
